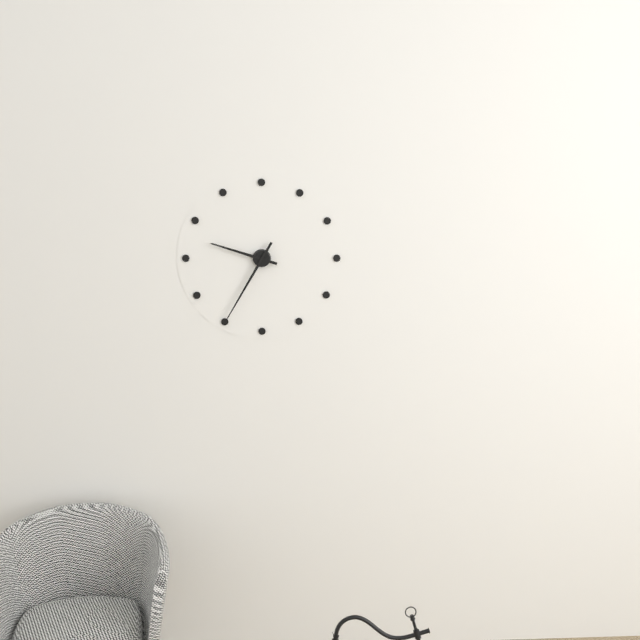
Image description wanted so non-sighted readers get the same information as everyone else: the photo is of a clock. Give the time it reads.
9:35
